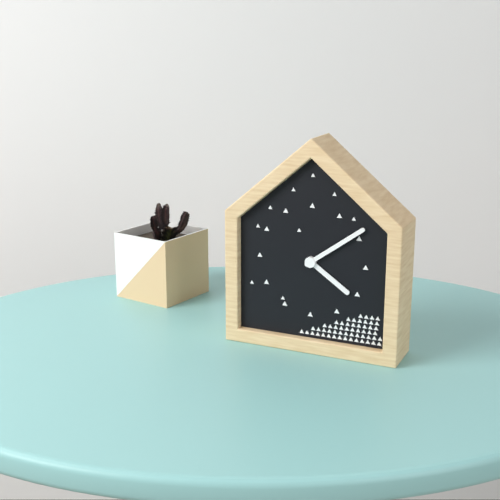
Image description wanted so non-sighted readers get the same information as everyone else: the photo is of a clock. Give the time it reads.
4:09
